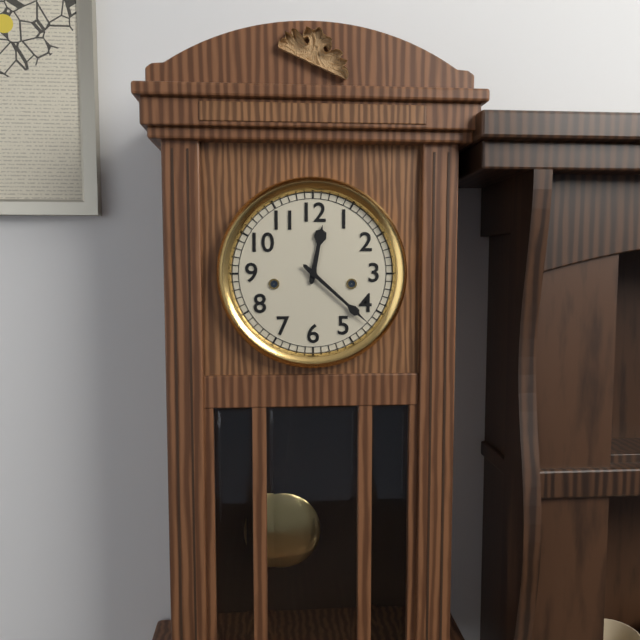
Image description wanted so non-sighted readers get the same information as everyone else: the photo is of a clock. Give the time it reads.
12:22
